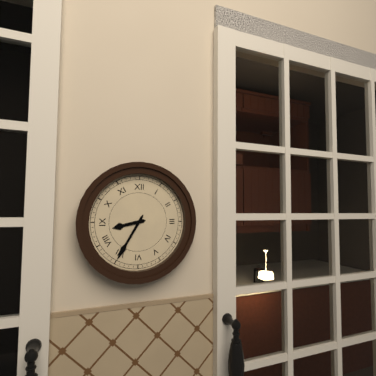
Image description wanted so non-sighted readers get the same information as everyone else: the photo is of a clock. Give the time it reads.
8:35
